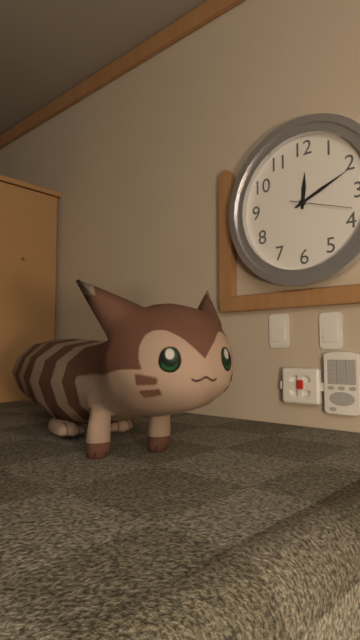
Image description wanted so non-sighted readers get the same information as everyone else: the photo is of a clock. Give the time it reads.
12:11:18
